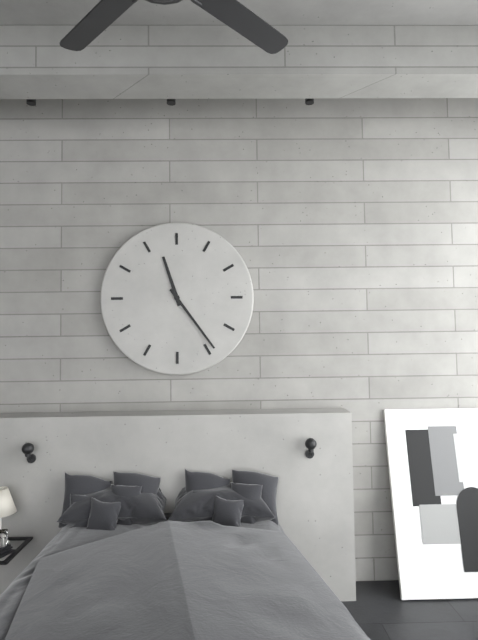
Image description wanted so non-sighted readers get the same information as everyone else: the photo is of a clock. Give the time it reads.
11:24
